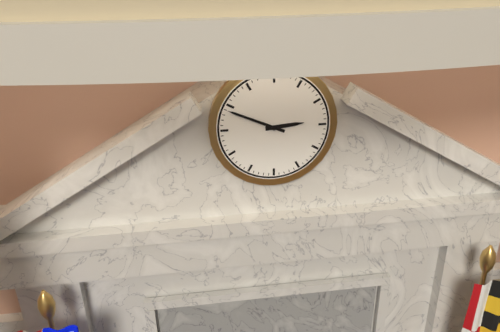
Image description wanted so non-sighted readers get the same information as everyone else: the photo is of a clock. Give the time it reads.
2:49
